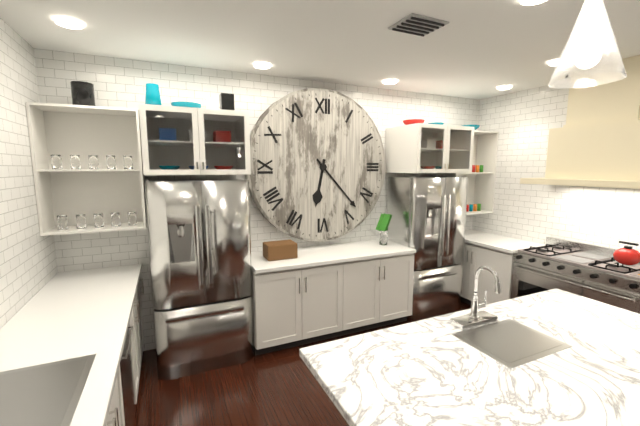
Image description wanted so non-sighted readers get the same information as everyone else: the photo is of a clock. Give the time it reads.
6:23
